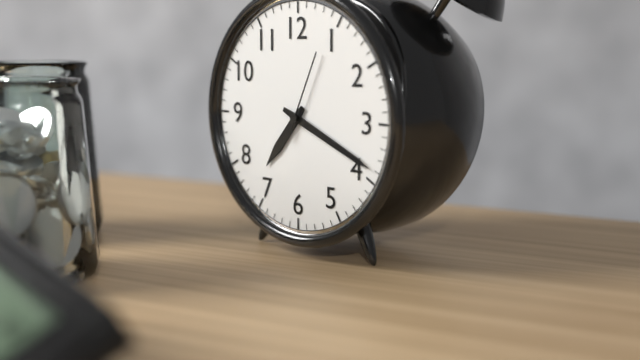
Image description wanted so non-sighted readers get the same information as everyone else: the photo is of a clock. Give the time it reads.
7:19:04
